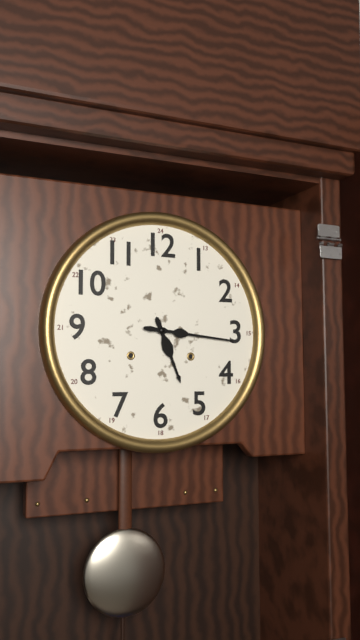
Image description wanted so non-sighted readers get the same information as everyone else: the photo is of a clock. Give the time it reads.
5:16
